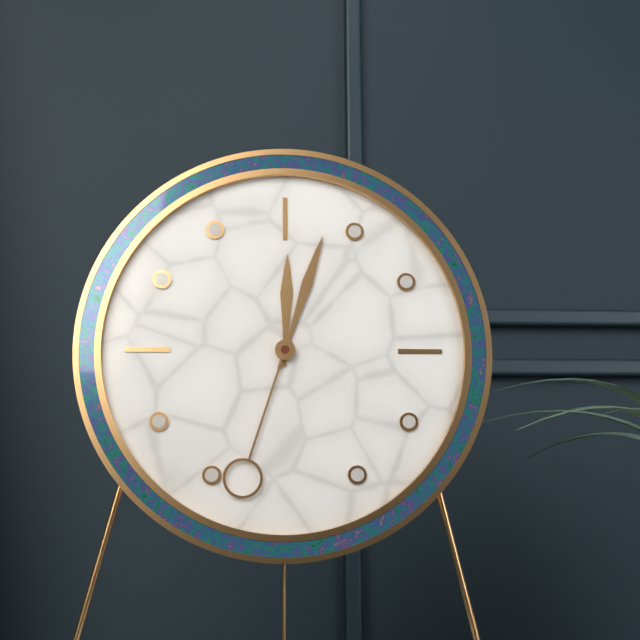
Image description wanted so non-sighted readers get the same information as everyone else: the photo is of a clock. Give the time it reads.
12:03:33
